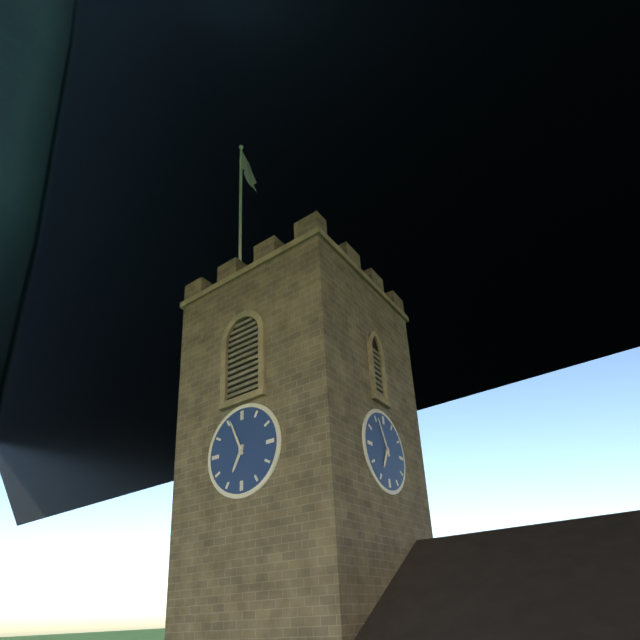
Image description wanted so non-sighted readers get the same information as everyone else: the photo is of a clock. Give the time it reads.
6:56
